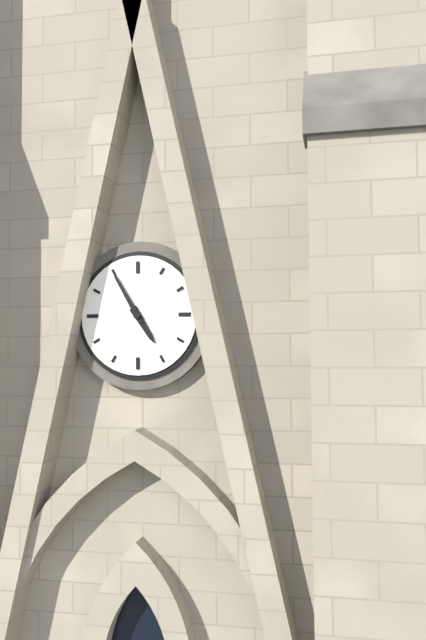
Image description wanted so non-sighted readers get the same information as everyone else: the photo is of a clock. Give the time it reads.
4:55
